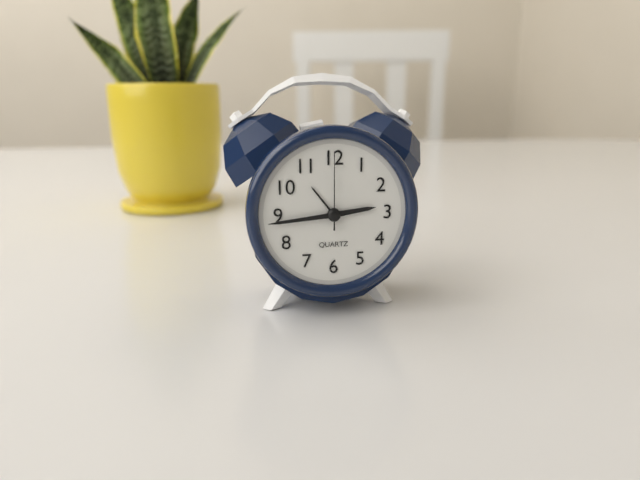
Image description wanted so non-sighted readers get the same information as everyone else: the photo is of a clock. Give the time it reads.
2:44:00
